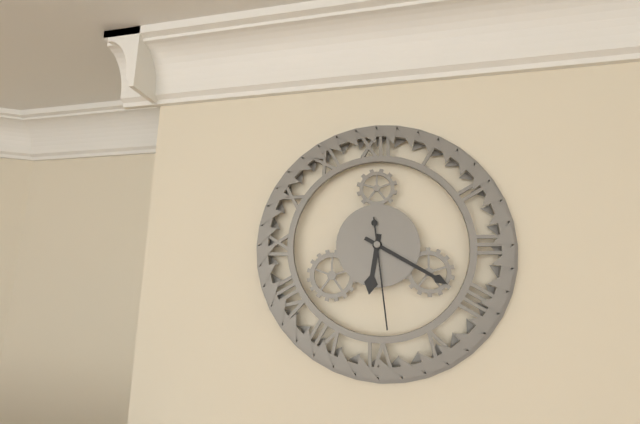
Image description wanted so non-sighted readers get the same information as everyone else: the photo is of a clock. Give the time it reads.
6:20:29
